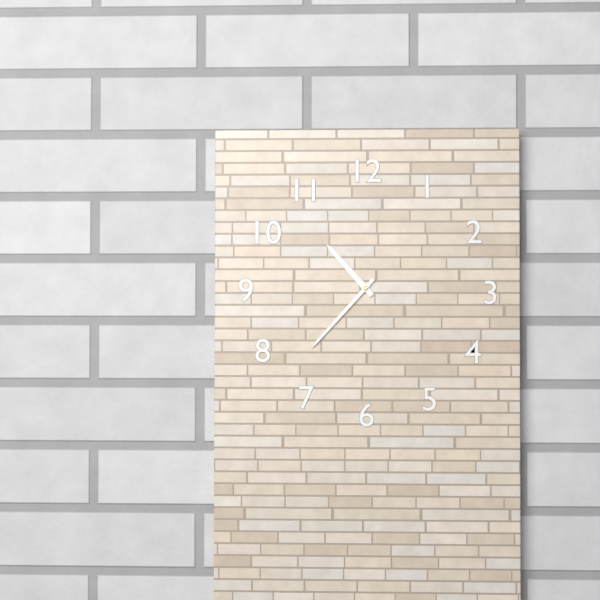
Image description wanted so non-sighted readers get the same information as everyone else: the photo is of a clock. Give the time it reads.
10:37
